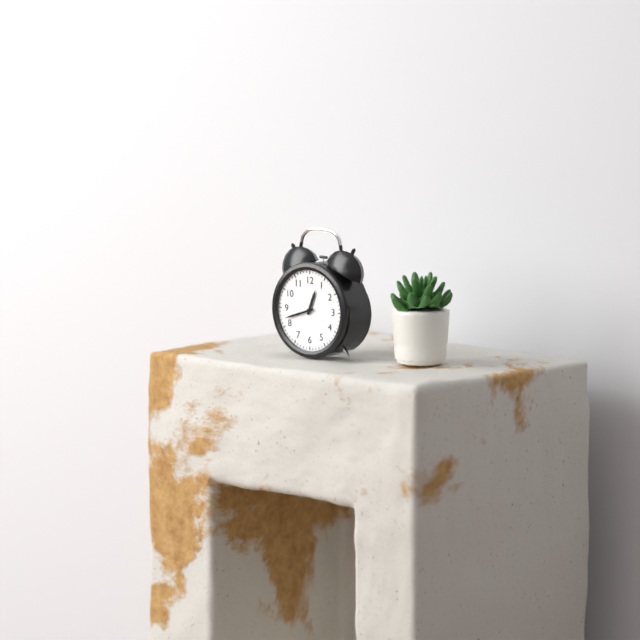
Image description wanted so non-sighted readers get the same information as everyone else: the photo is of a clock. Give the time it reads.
12:42
